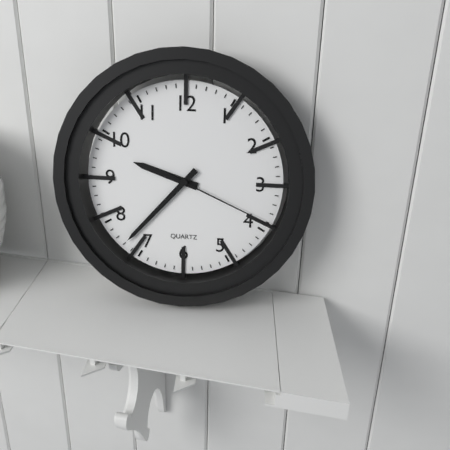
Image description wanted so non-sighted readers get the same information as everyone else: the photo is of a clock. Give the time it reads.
9:37:19
